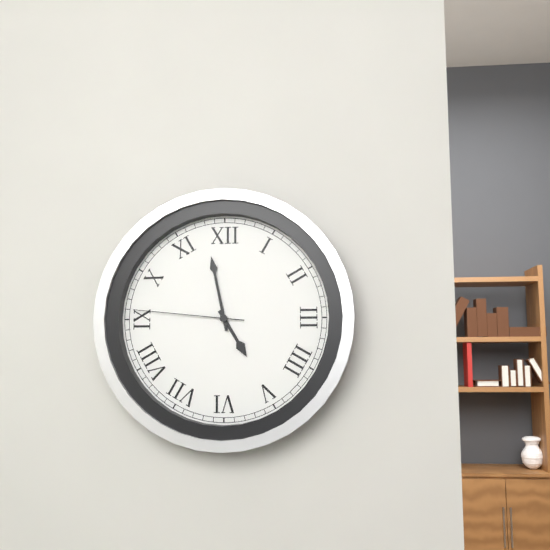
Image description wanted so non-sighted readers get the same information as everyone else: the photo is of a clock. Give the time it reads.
4:58:46
